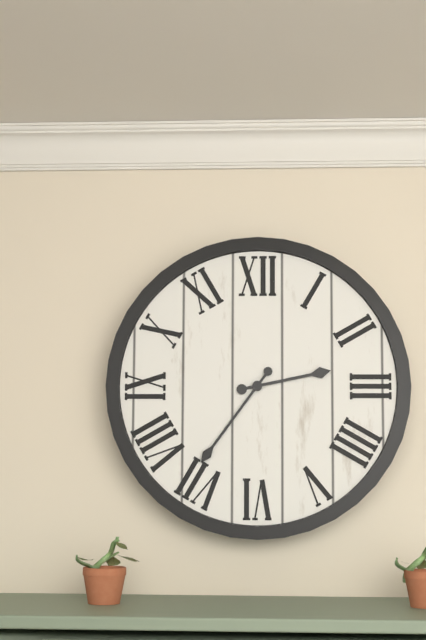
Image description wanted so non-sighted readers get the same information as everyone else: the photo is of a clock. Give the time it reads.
2:36
